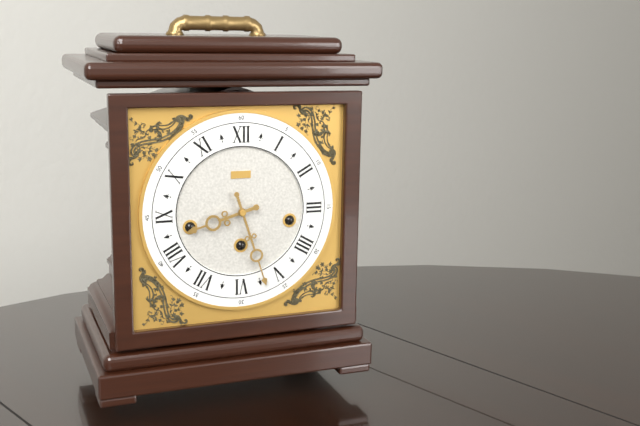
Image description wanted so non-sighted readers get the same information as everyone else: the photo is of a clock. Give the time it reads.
8:27
